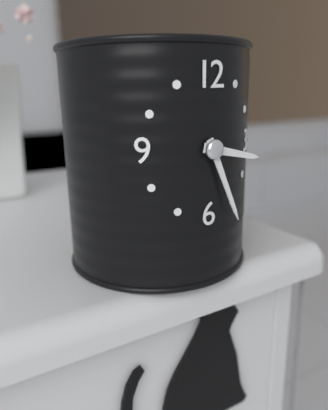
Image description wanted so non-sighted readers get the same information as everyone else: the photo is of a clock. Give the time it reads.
3:26
